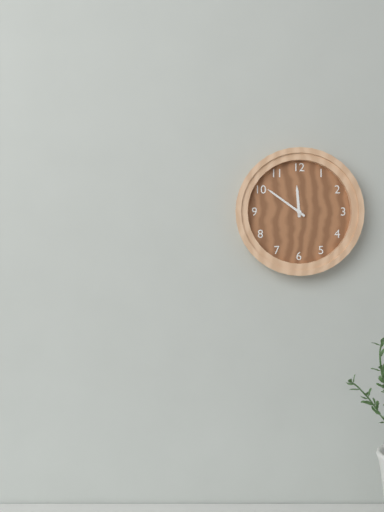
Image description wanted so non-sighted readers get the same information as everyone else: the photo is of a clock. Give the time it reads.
11:51
